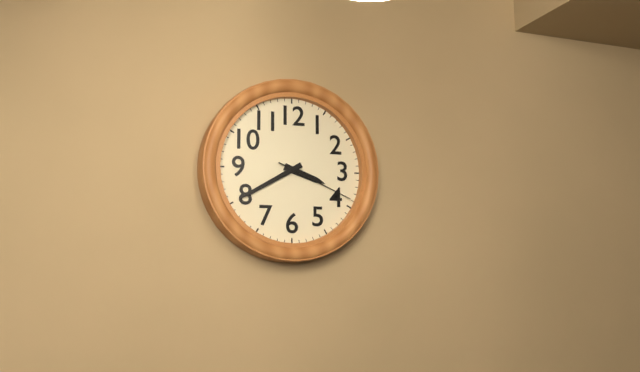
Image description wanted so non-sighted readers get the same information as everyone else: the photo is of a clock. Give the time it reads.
3:40:19
